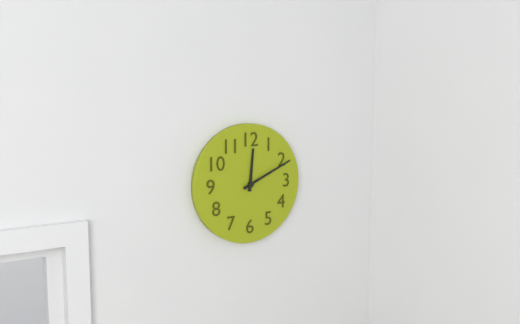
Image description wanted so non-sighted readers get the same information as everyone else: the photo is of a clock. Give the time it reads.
12:11
